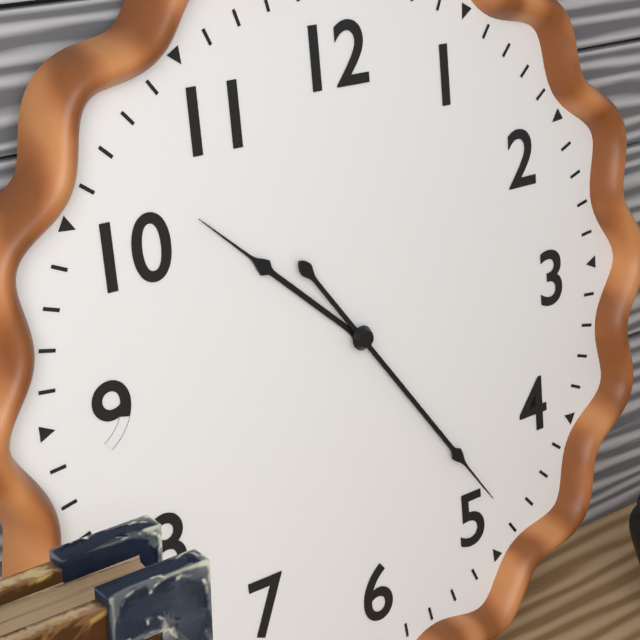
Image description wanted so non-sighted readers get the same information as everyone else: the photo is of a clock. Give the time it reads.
10:24
